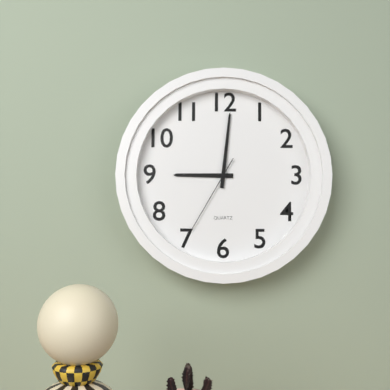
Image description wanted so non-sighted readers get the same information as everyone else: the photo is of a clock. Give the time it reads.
9:01:35
